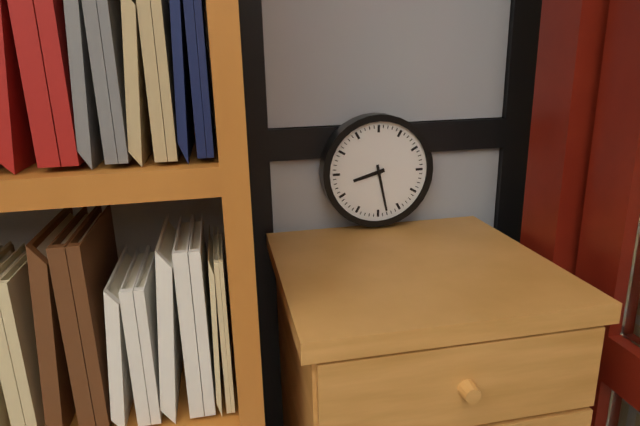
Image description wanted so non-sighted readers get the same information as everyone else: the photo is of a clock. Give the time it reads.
8:28
